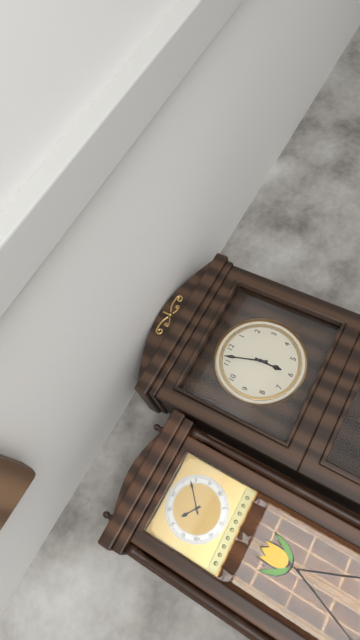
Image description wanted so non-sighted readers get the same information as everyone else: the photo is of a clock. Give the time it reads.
5:57
